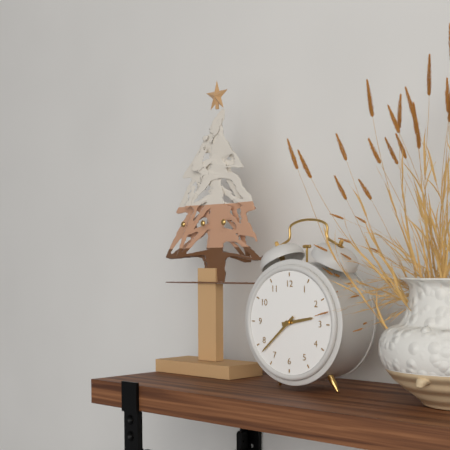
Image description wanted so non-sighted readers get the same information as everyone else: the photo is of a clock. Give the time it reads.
2:38
